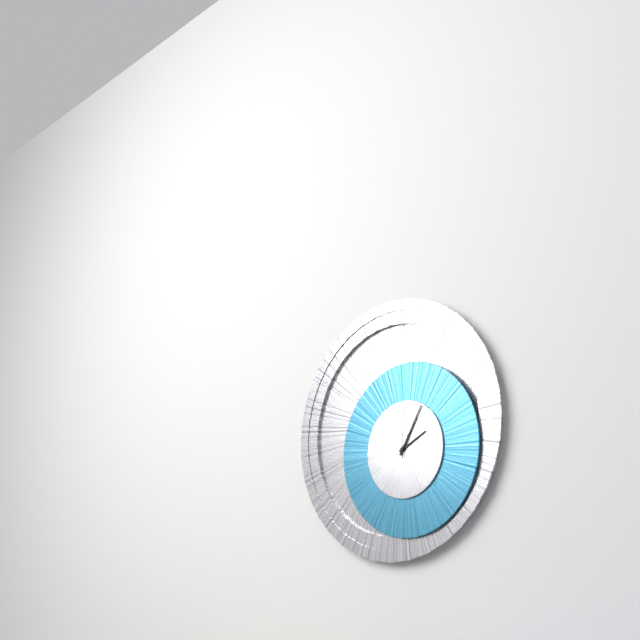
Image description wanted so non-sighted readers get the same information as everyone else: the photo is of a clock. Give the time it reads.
2:05:00
